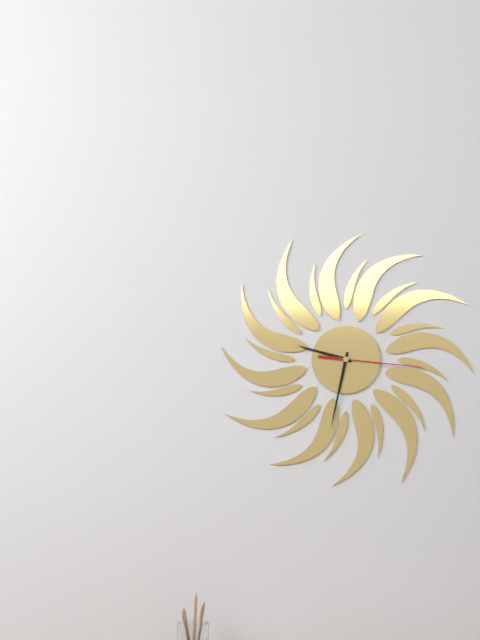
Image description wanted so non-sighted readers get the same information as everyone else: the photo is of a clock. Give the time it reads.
9:32:16
